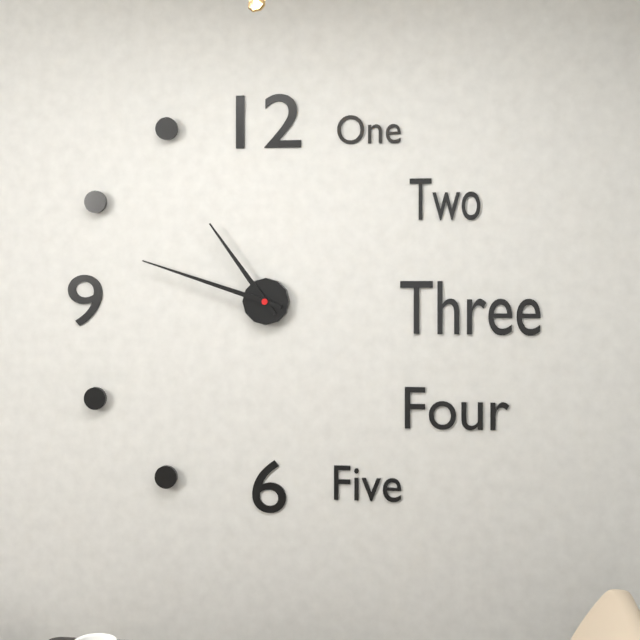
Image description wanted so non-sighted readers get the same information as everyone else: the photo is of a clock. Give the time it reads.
10:48
